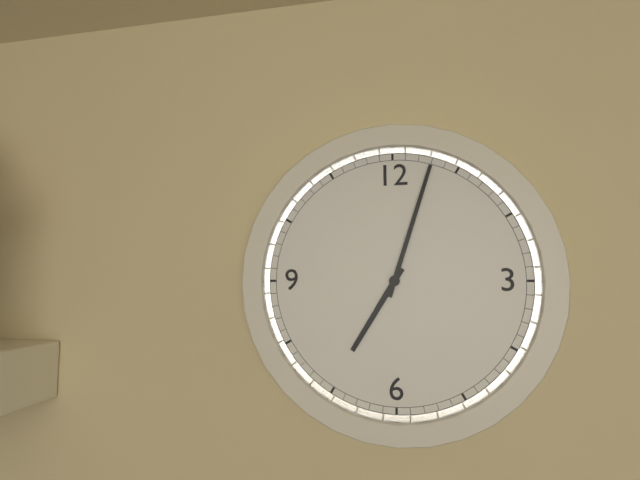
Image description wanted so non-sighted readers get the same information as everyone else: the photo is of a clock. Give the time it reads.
7:03
